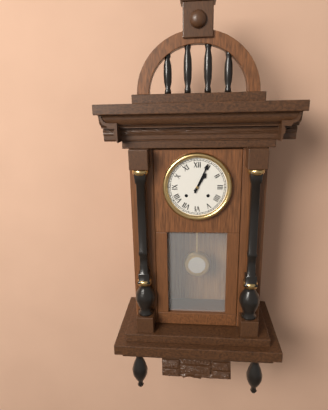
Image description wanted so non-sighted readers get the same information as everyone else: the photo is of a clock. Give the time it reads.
1:04
